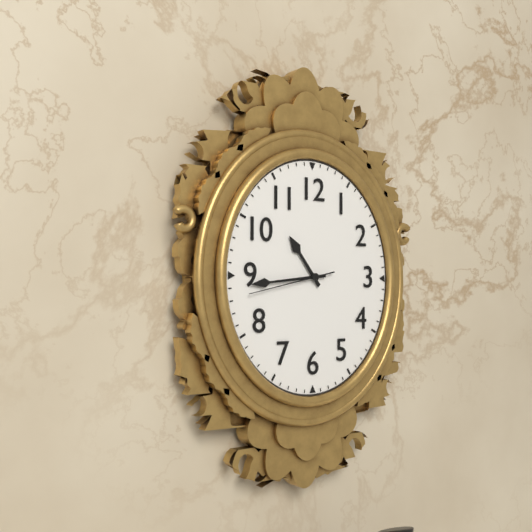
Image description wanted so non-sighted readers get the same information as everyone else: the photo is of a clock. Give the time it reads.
10:44:43
